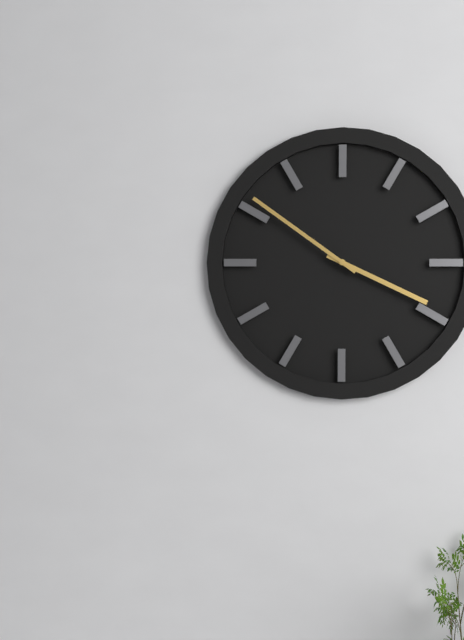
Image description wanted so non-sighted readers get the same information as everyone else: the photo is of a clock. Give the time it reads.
3:51
